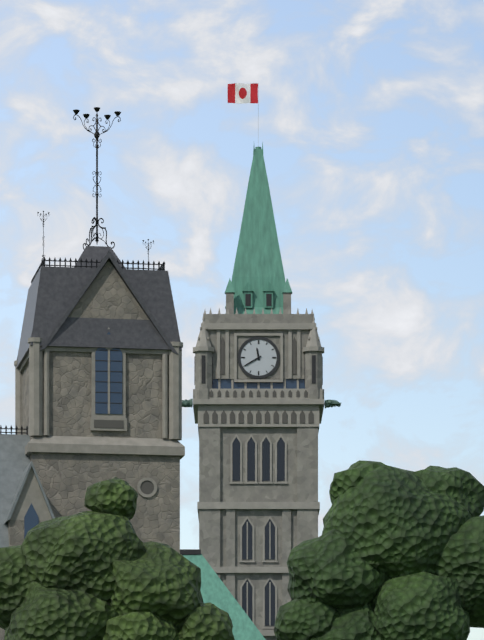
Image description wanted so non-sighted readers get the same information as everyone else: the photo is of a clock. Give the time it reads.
11:40
